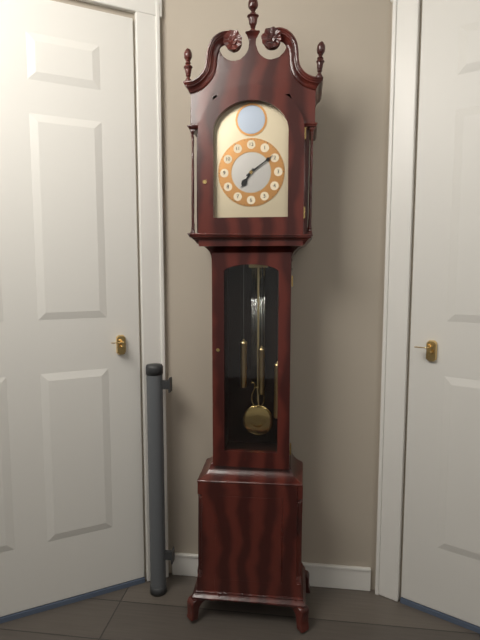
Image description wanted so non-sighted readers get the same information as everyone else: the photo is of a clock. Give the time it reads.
7:09
